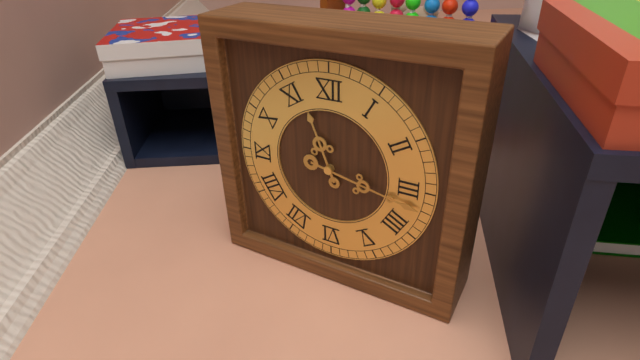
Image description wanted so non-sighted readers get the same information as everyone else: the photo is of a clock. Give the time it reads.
11:17
